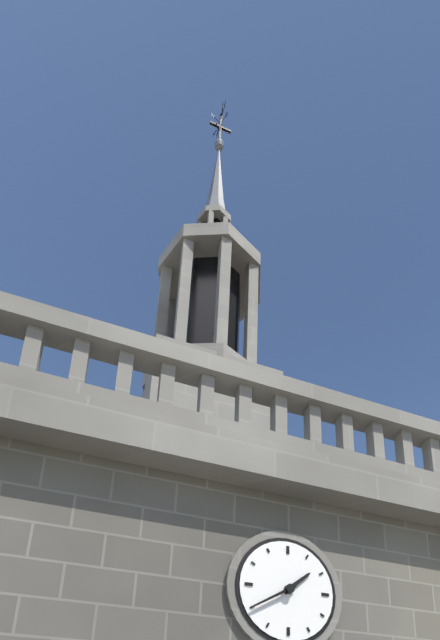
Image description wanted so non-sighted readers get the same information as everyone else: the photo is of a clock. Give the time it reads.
1:40
